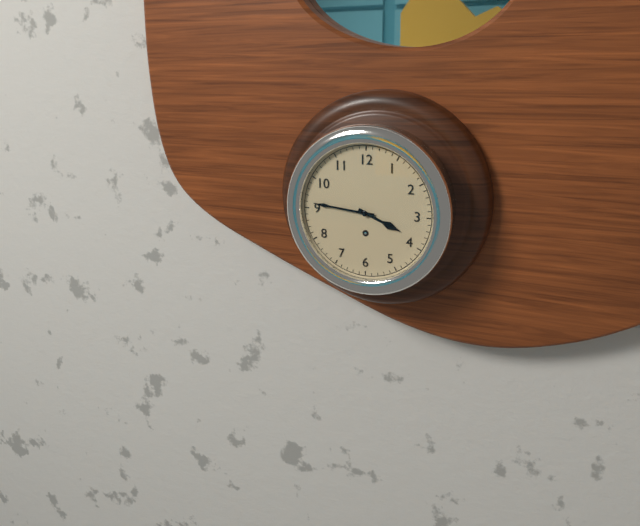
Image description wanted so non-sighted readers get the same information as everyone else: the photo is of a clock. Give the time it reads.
3:46
